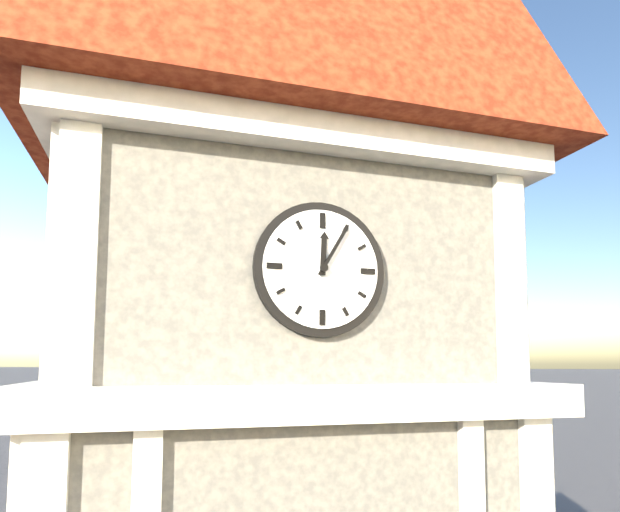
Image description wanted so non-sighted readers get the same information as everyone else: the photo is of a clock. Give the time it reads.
12:05
